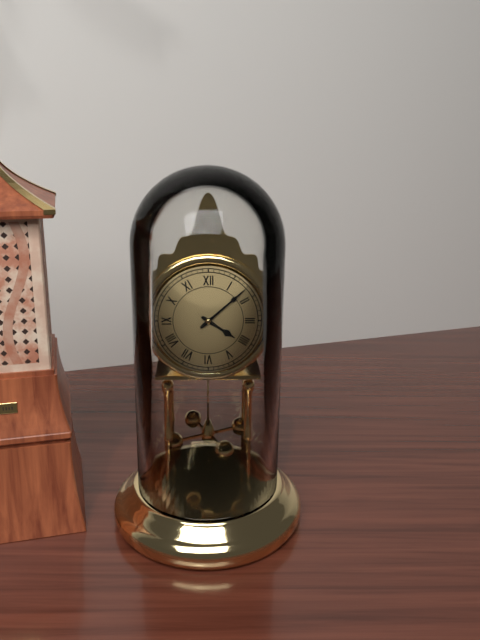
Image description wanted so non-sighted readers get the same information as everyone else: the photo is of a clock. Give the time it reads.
4:08
